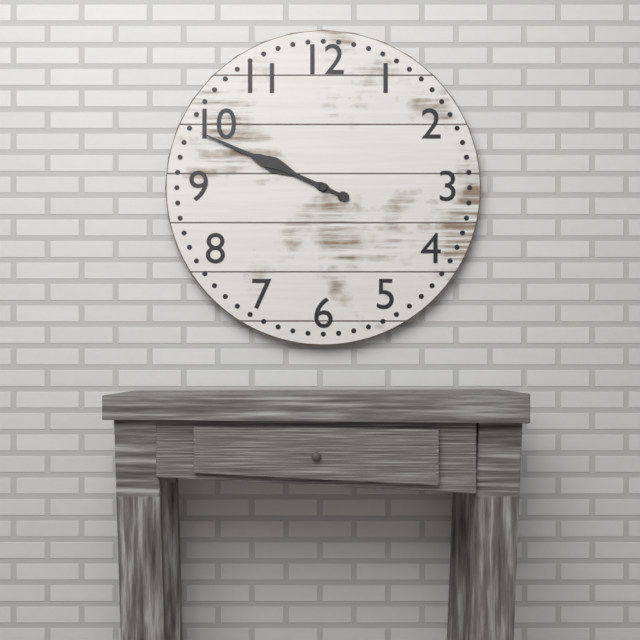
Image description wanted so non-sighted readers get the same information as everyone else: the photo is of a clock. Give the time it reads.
9:49
